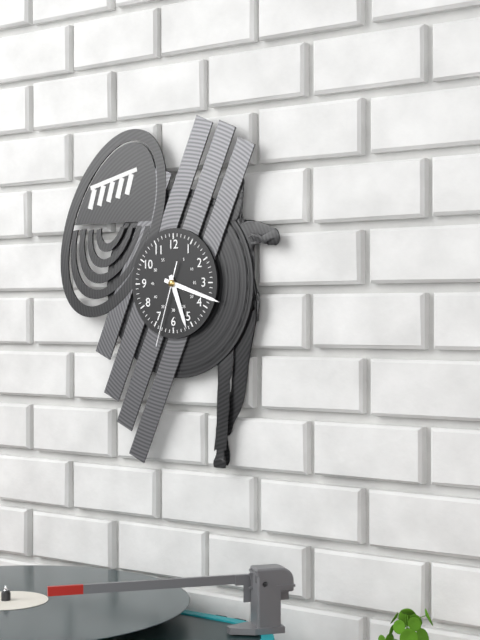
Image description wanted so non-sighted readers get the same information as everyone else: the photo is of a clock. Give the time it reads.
5:18:33
